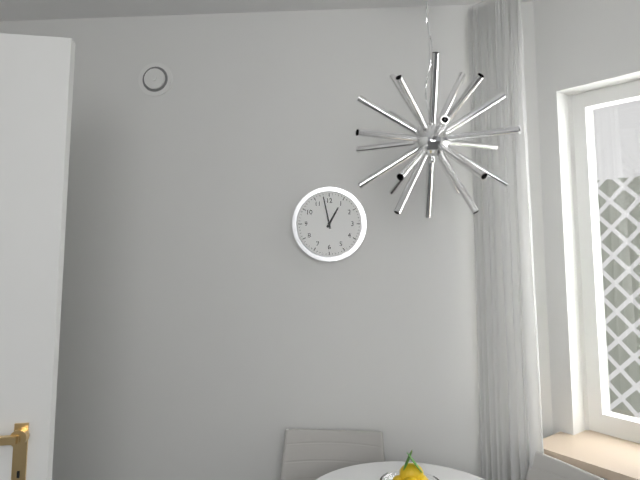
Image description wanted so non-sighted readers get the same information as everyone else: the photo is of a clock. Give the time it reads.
12:58
